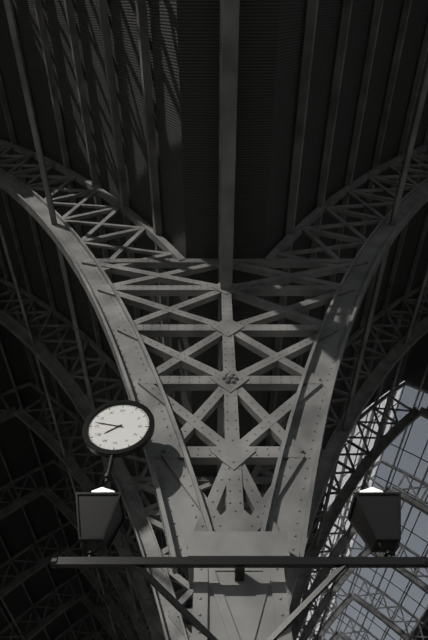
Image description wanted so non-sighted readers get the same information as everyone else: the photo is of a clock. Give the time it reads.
7:47
